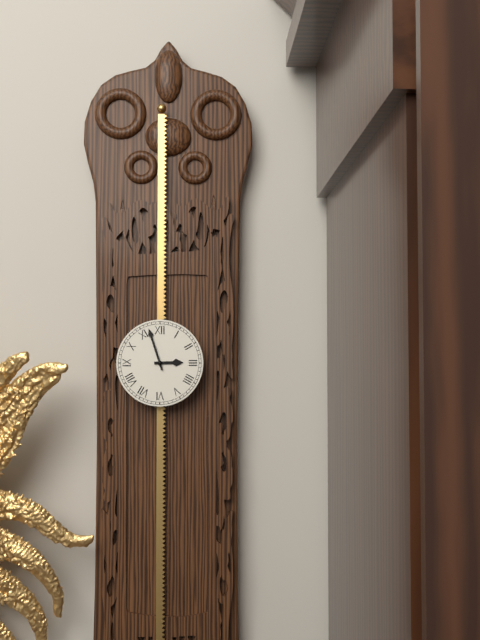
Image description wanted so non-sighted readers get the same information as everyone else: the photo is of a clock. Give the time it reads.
2:57
